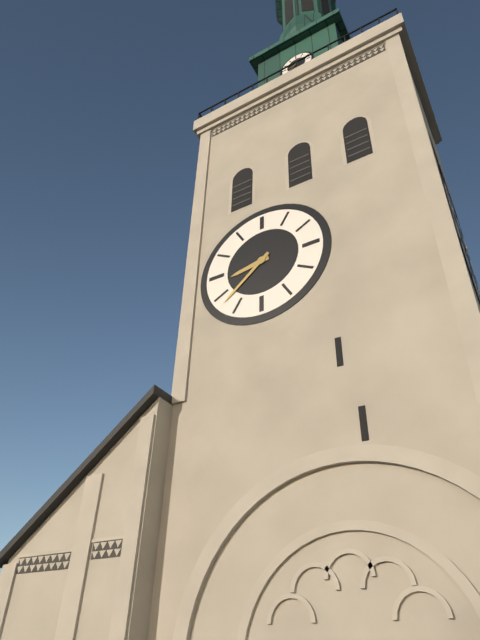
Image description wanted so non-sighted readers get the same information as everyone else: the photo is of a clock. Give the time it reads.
8:38
